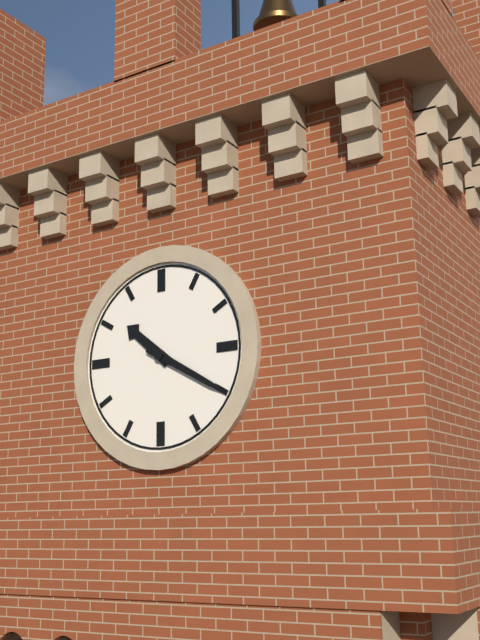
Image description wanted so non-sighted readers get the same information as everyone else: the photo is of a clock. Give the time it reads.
10:20
